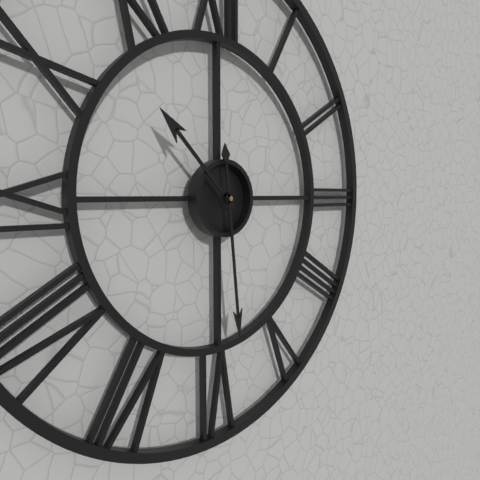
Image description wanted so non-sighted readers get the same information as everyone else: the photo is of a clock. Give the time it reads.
10:29
